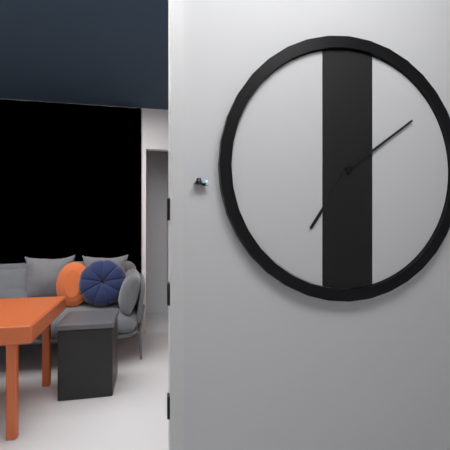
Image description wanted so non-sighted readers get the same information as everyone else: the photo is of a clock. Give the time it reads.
7:09
